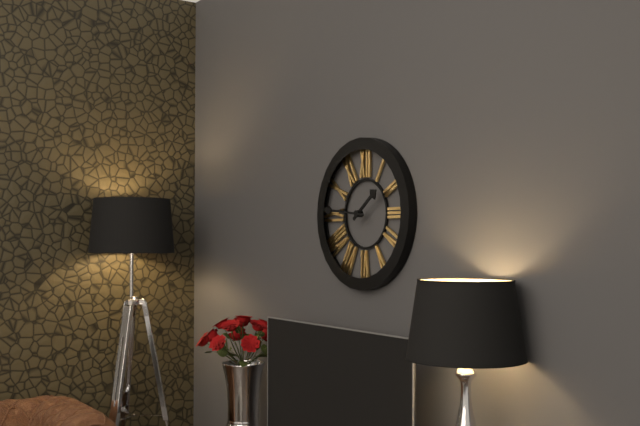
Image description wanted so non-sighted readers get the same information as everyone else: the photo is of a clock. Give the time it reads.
1:46
